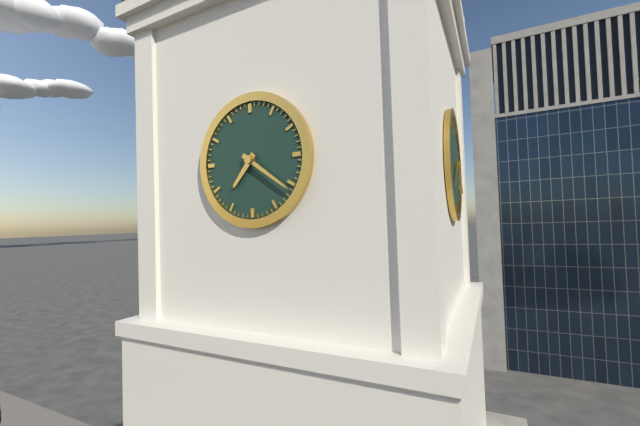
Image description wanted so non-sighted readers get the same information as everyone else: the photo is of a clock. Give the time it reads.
7:21
